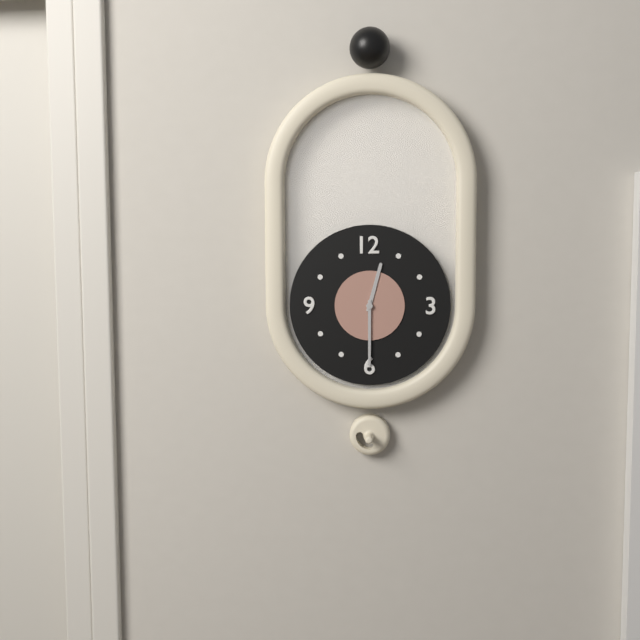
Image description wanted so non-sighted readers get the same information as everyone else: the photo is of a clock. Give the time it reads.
12:30
